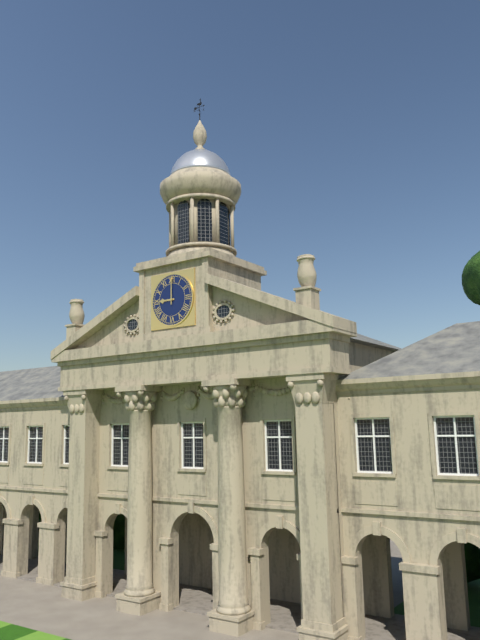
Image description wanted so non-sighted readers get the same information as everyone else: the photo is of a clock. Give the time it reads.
9:00
